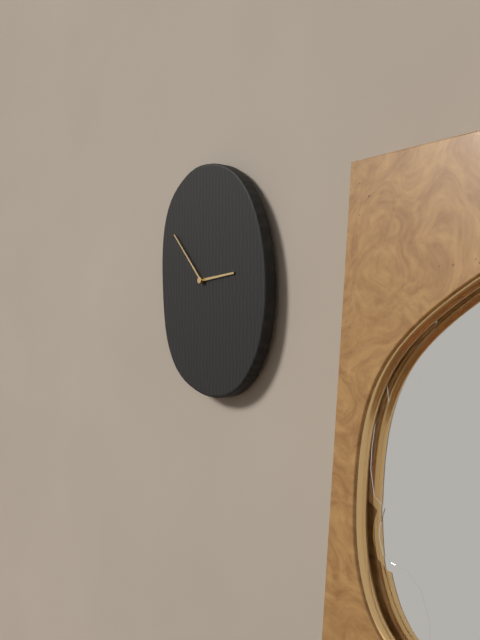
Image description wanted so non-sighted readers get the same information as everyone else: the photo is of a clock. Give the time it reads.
2:53
